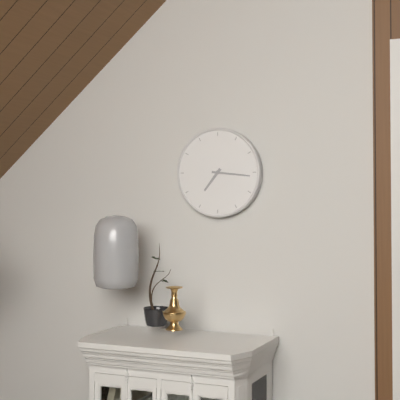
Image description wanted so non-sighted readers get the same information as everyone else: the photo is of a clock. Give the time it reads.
7:16
